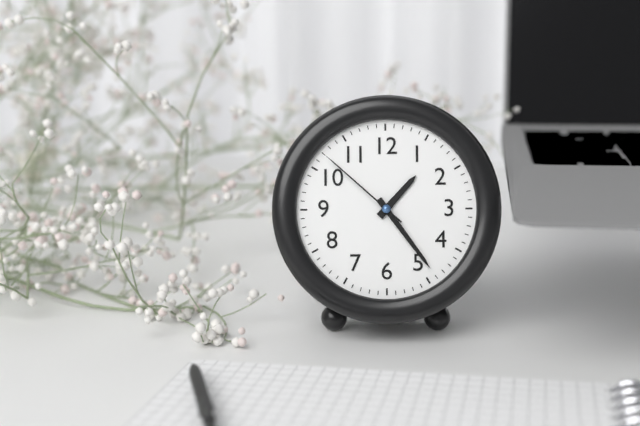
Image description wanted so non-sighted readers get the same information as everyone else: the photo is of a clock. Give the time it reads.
1:24:52
